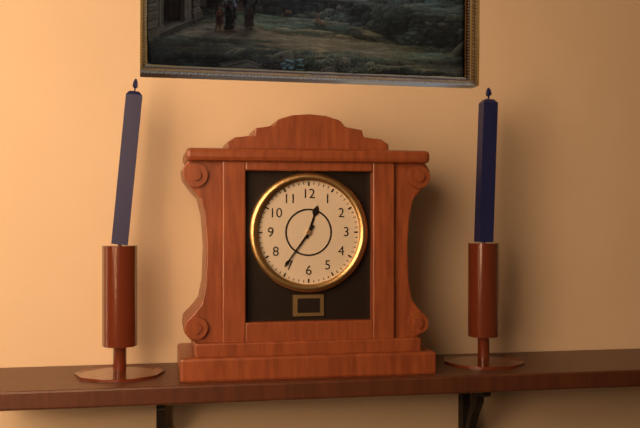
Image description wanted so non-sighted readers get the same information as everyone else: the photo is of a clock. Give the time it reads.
12:36
